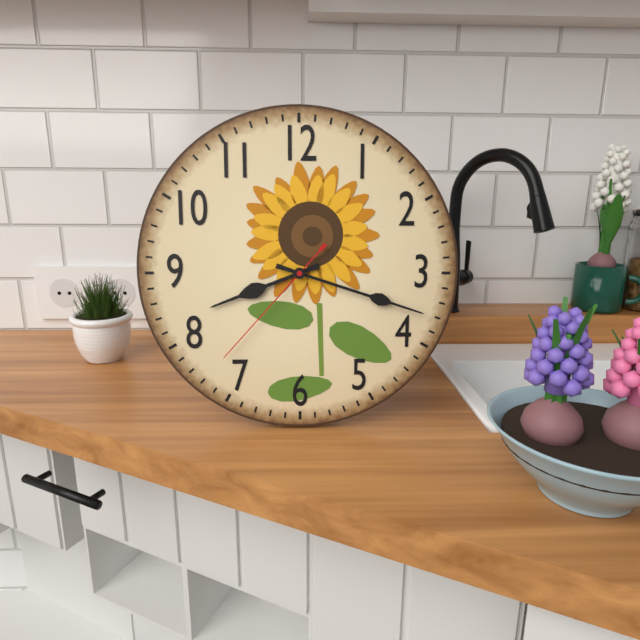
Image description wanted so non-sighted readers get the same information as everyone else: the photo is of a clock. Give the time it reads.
8:18:37
